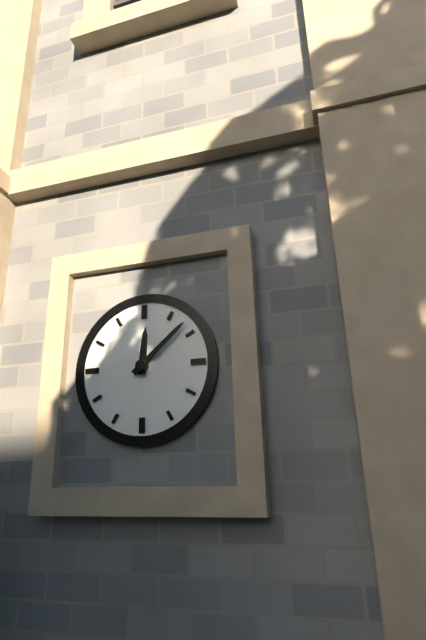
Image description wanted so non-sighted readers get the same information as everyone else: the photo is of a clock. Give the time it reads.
12:08
